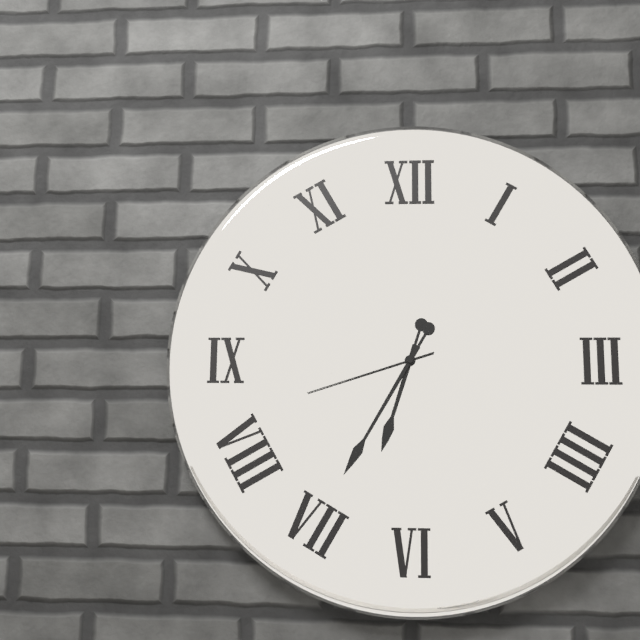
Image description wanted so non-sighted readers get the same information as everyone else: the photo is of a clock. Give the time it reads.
6:35:42
